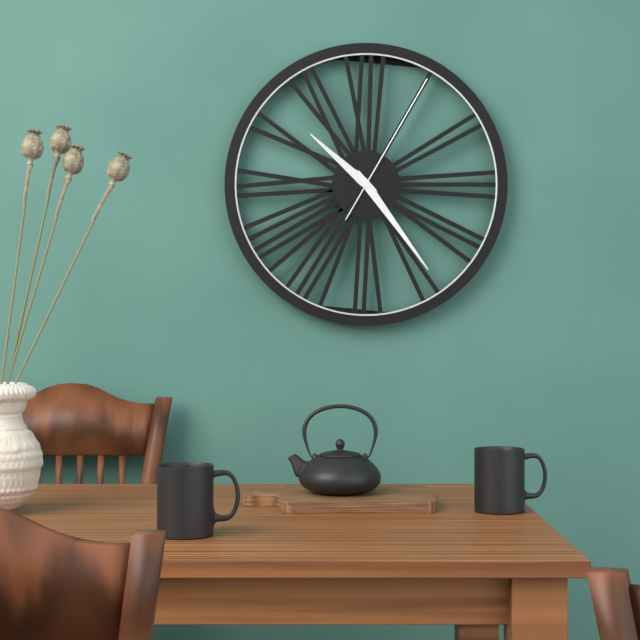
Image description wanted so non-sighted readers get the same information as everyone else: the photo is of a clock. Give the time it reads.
10:24:05
